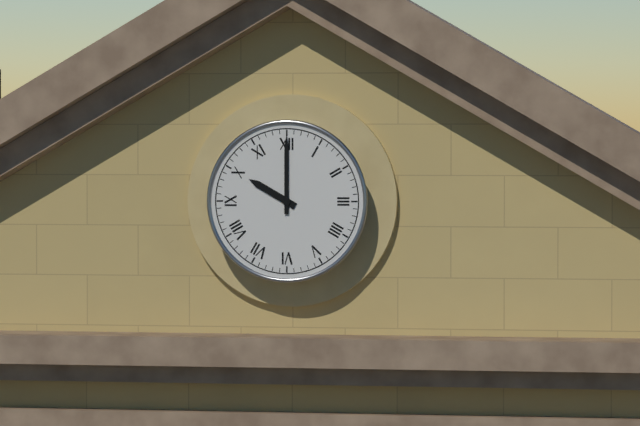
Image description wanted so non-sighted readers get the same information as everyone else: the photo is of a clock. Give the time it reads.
10:00
